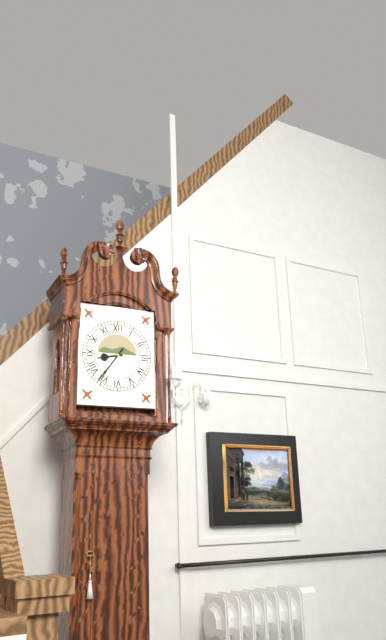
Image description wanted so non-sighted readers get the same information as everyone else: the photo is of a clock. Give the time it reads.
8:36
